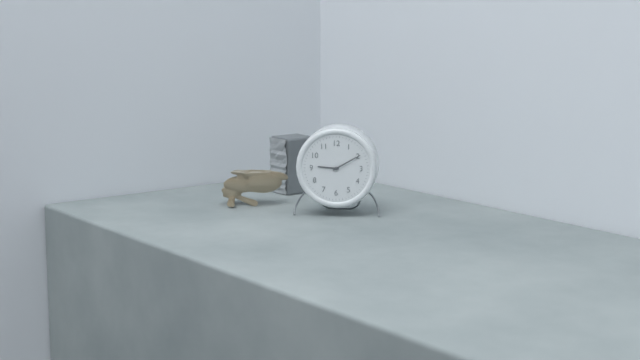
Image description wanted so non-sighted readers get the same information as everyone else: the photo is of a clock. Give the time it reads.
9:10
